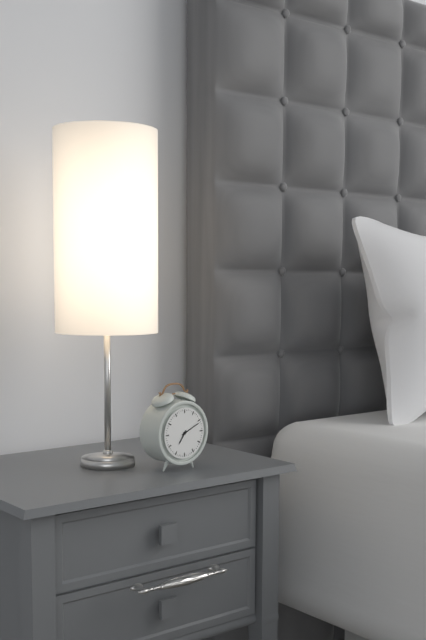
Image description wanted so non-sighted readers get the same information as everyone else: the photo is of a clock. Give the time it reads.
7:11
